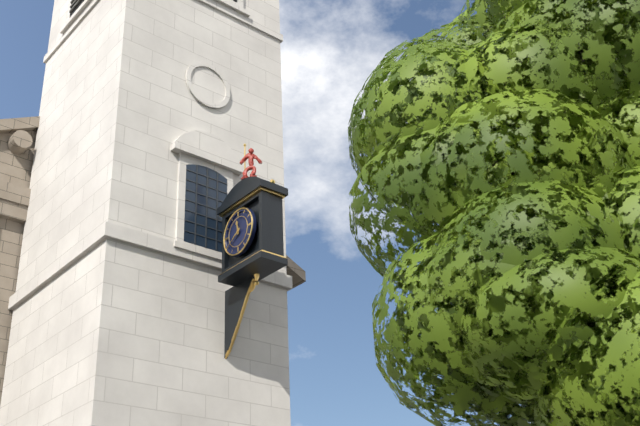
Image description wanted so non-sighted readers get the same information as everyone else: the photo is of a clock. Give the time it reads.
11:40
